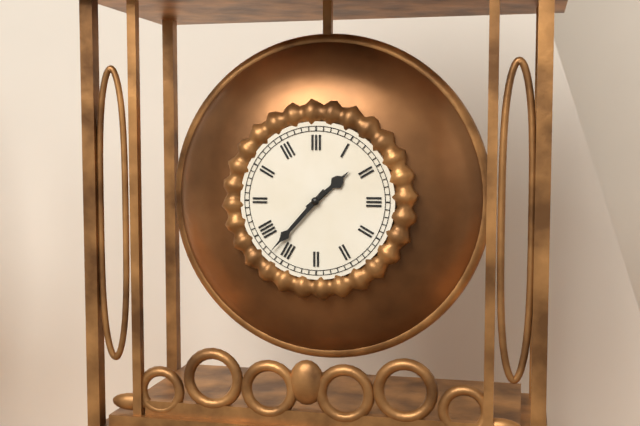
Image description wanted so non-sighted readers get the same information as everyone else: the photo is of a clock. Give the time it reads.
1:37
